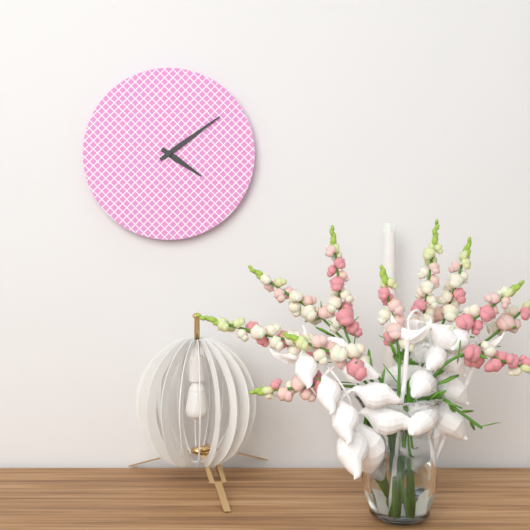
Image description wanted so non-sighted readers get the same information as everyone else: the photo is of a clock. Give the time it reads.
4:09
